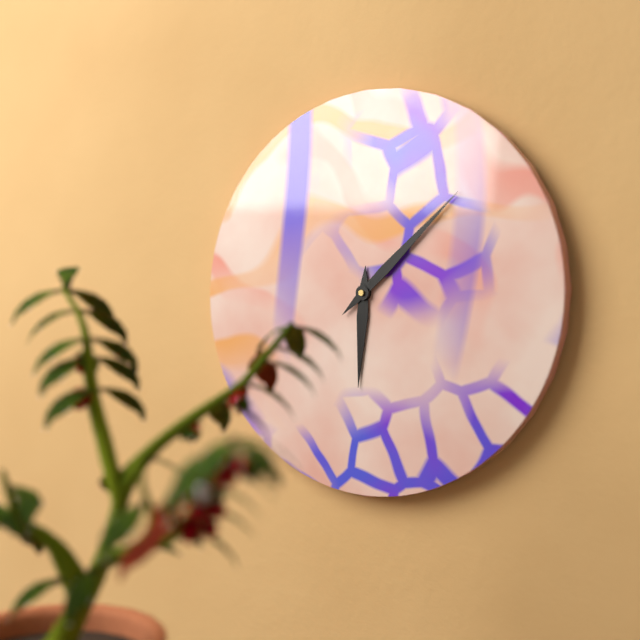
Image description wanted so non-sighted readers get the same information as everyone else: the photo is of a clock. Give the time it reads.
6:08
